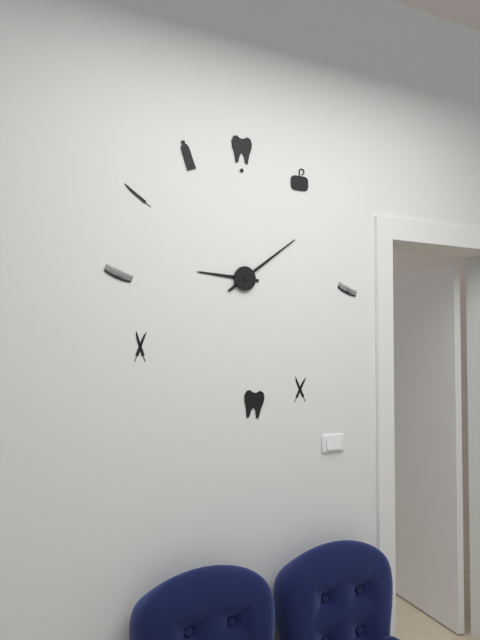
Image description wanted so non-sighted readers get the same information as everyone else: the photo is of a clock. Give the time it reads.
9:09
